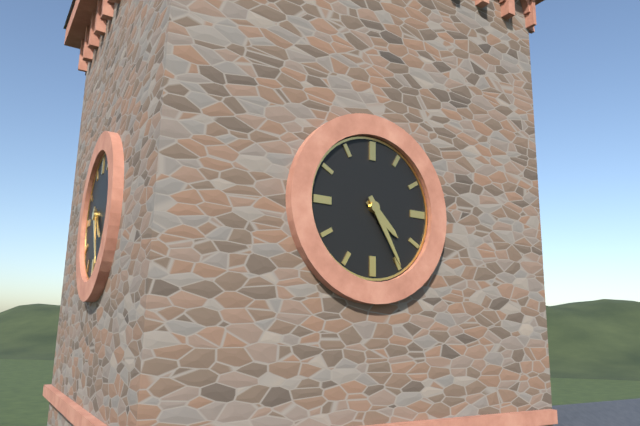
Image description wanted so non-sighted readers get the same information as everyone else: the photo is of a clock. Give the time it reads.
4:25
